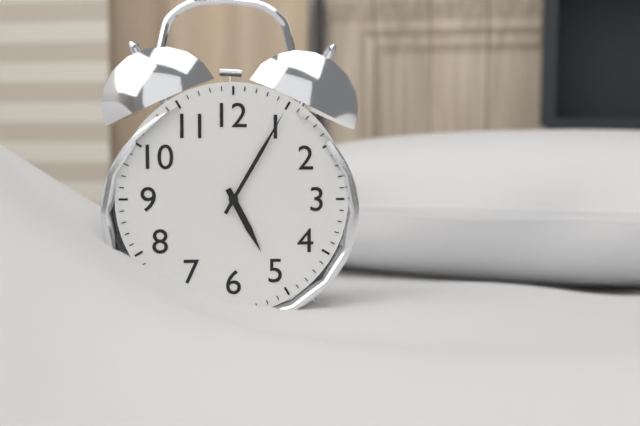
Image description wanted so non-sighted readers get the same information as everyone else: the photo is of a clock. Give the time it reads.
5:05
